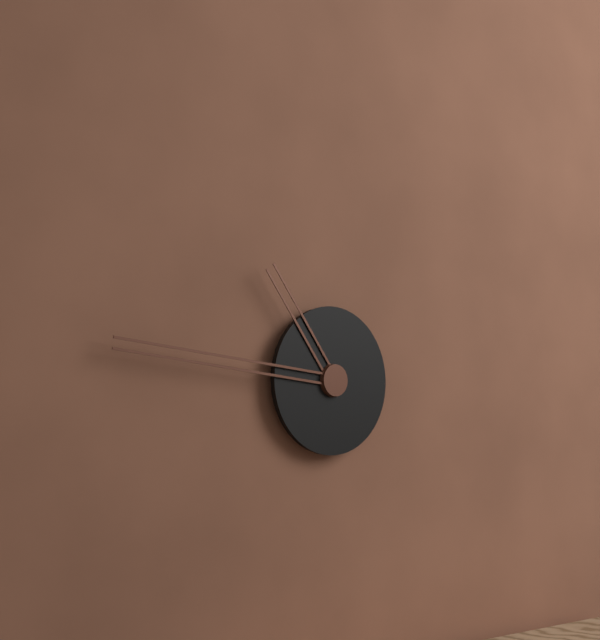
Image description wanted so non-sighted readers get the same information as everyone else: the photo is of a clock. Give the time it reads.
10:46
